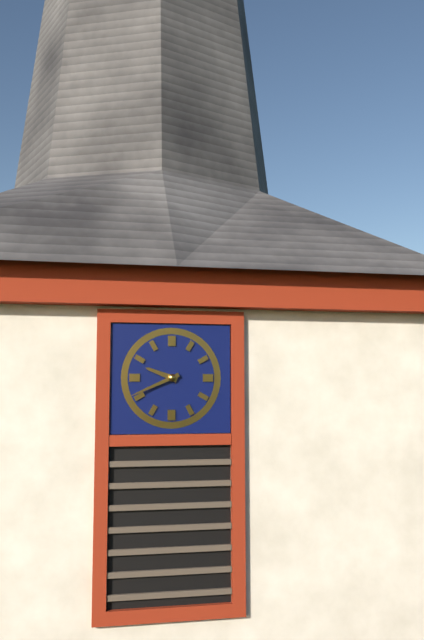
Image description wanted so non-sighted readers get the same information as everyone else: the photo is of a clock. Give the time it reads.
9:41
